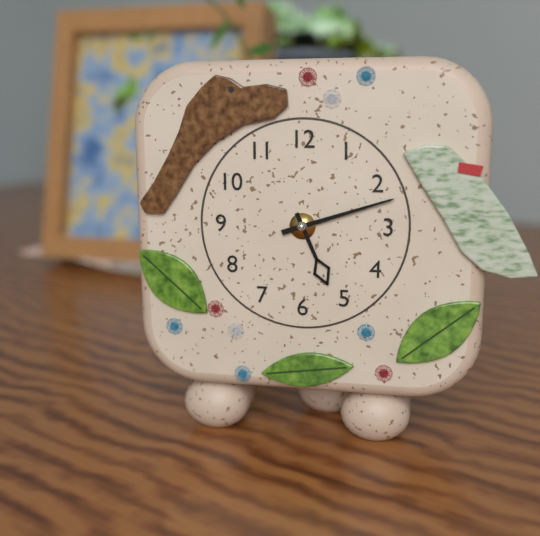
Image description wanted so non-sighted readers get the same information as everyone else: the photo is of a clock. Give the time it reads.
5:12
